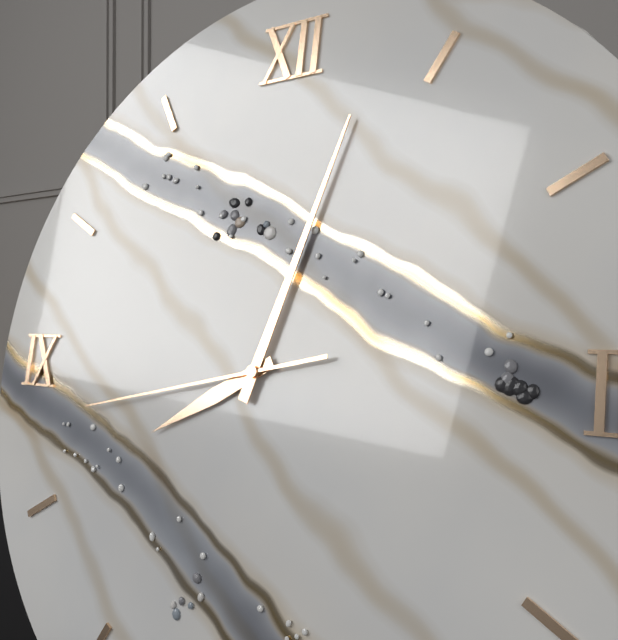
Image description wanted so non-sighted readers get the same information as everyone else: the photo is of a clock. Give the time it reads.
8:03:43
